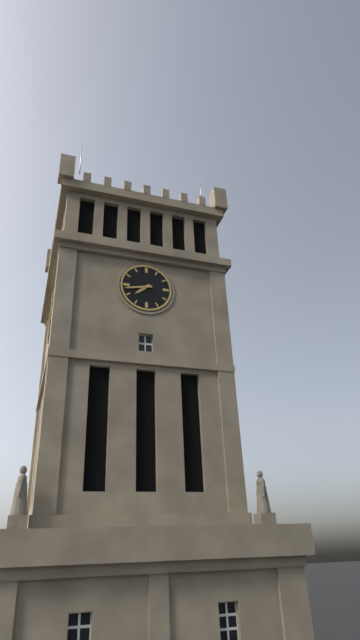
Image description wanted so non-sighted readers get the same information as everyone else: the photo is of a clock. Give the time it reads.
7:43
